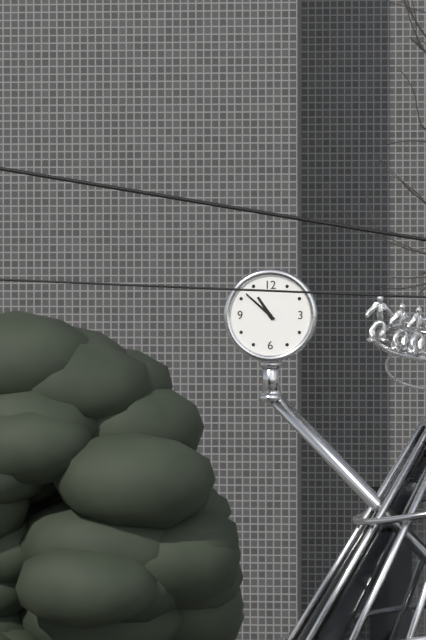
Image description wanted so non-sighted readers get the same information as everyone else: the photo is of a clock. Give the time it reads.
10:52
